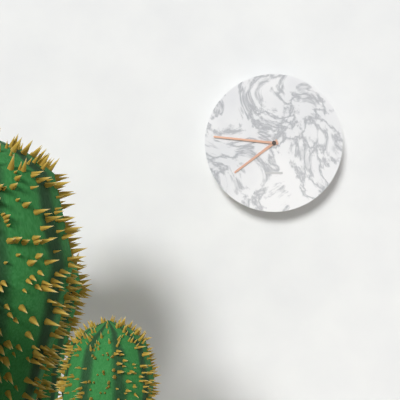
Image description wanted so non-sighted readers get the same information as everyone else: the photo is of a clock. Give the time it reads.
7:46
